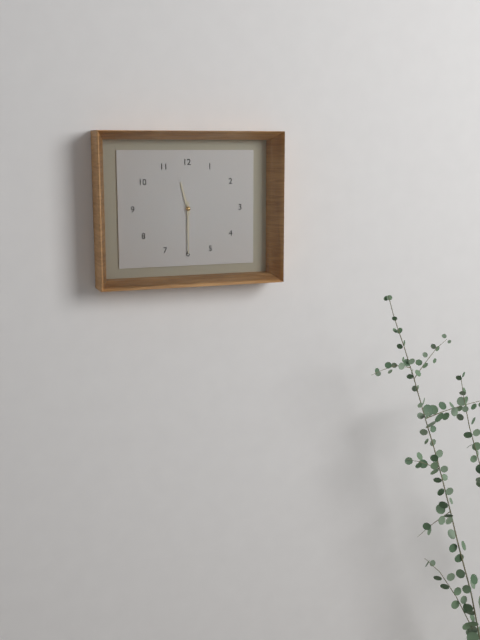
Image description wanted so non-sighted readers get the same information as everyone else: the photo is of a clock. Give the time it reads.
11:30
